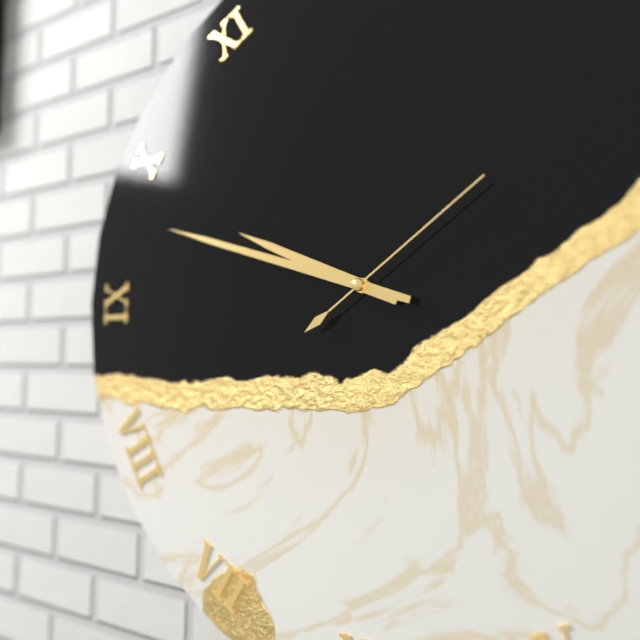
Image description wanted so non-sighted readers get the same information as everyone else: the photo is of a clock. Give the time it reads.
9:48:09
